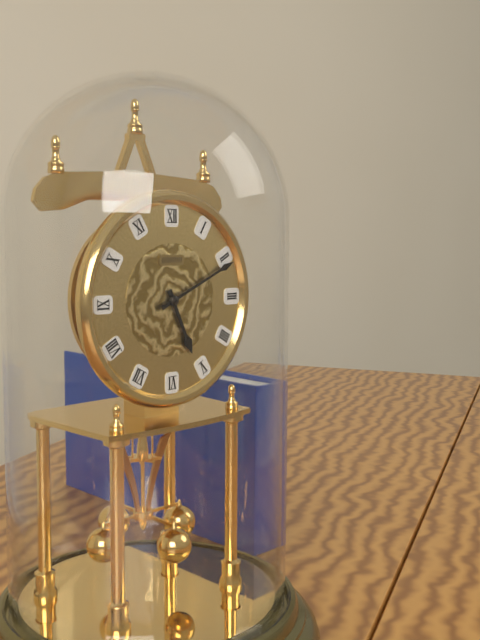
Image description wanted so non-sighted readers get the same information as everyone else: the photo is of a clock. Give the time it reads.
5:11
